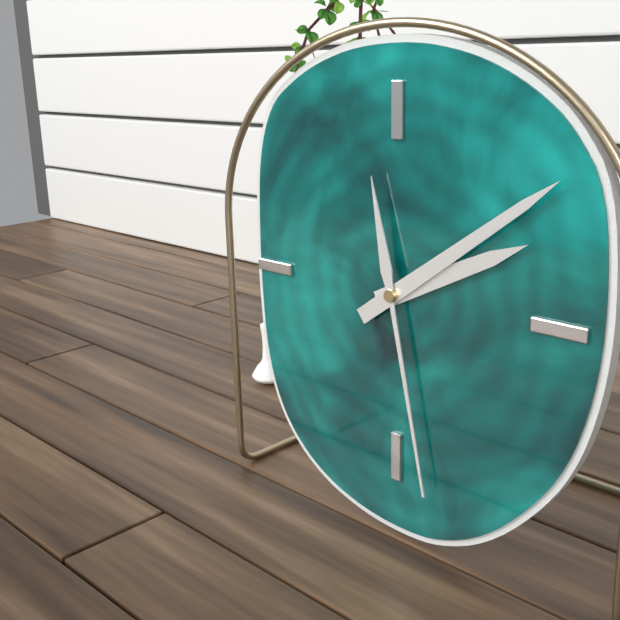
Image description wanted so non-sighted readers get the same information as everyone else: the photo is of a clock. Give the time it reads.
2:09:28
